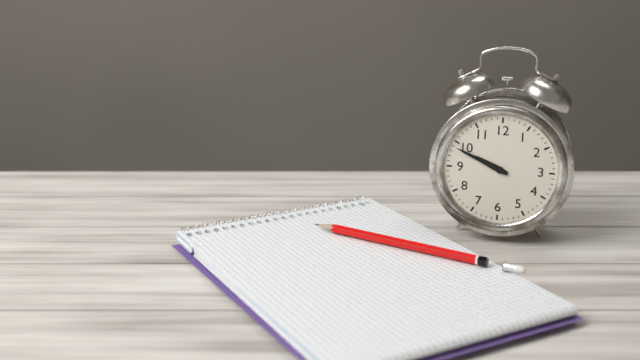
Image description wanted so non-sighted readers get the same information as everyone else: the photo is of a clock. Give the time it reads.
9:49
